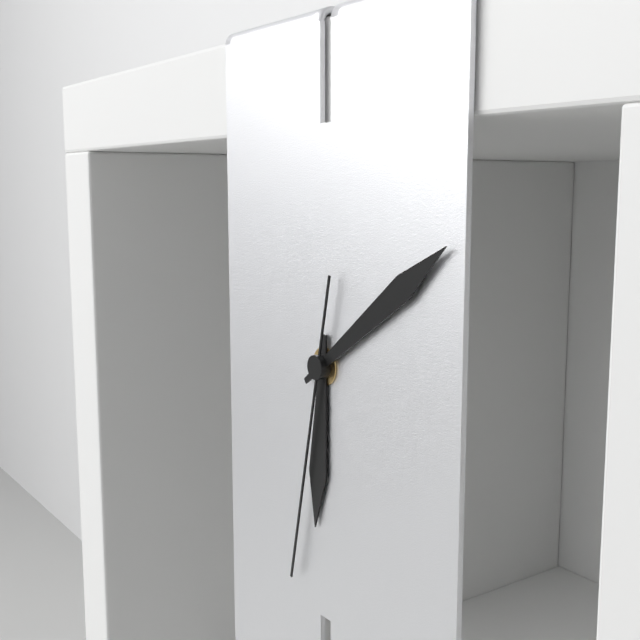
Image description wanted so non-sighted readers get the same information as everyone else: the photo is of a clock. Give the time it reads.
6:09:32
